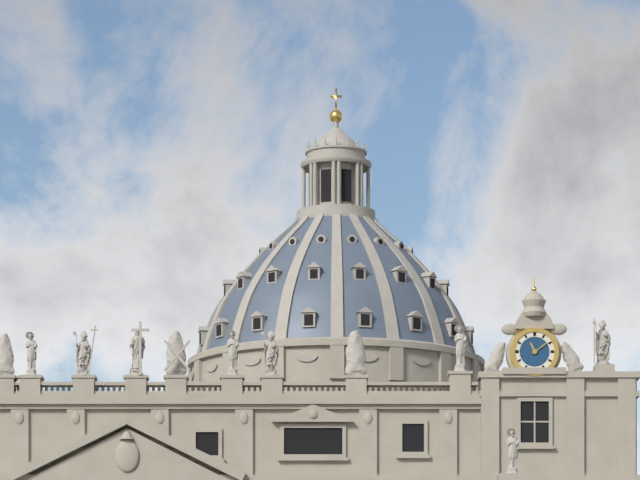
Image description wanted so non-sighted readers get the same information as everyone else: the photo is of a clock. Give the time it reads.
11:09
